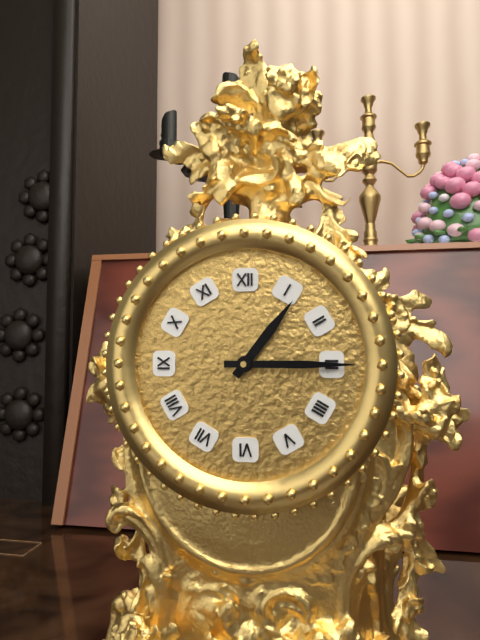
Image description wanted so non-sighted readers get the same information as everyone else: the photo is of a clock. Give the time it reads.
1:15
